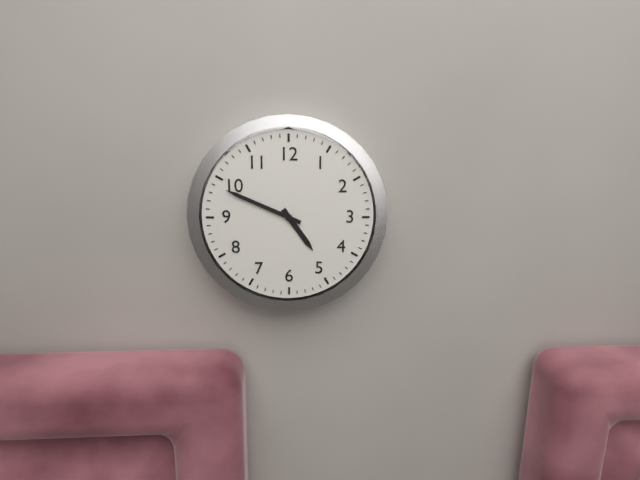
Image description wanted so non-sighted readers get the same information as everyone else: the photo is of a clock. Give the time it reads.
4:49
